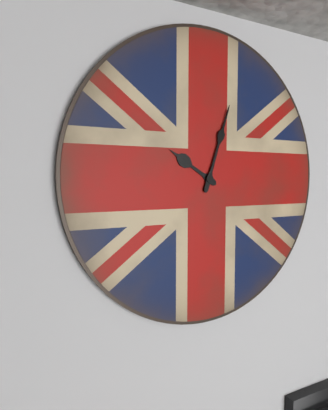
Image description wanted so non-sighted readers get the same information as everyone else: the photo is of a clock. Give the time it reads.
10:03
